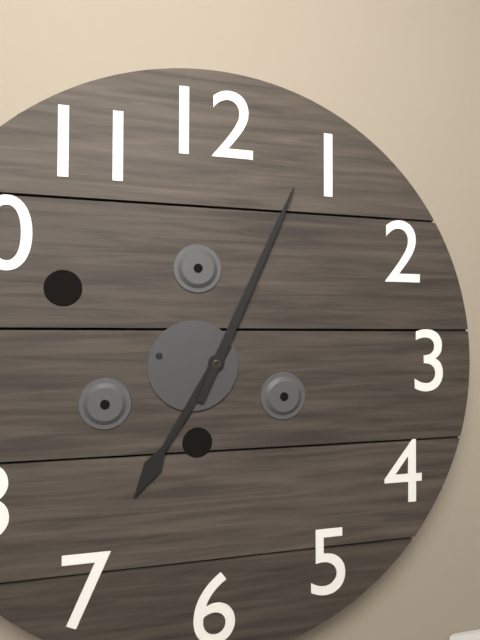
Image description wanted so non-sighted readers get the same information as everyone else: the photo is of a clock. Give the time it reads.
7:04
